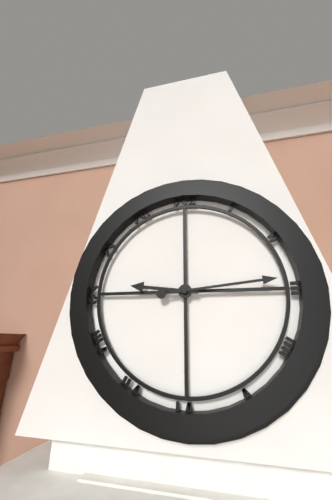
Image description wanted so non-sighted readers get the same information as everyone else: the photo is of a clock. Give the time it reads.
9:14
